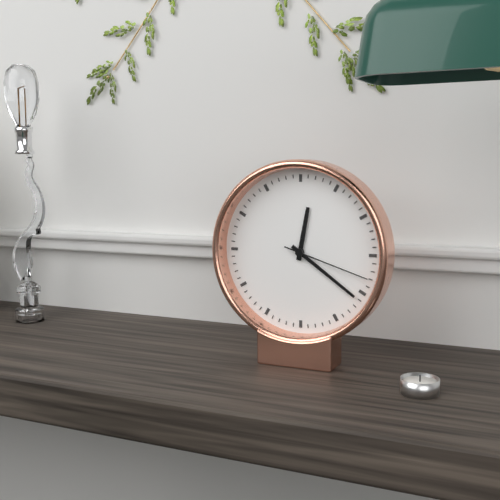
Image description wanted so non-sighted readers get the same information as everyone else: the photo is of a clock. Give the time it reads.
12:21:18
